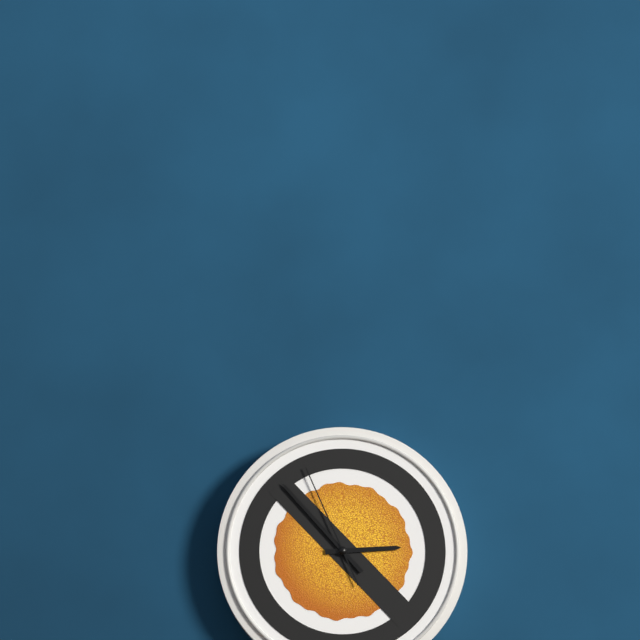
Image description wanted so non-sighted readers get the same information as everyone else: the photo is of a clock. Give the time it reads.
2:53:56
